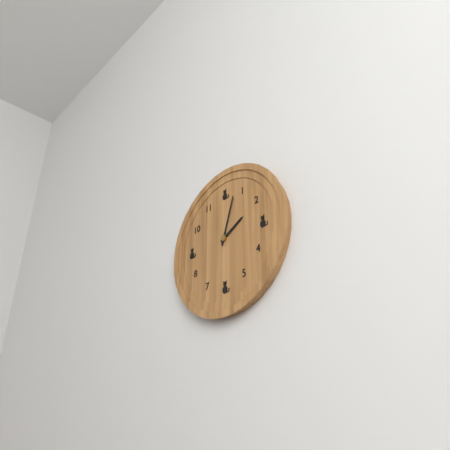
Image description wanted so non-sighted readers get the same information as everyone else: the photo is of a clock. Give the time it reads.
2:03
